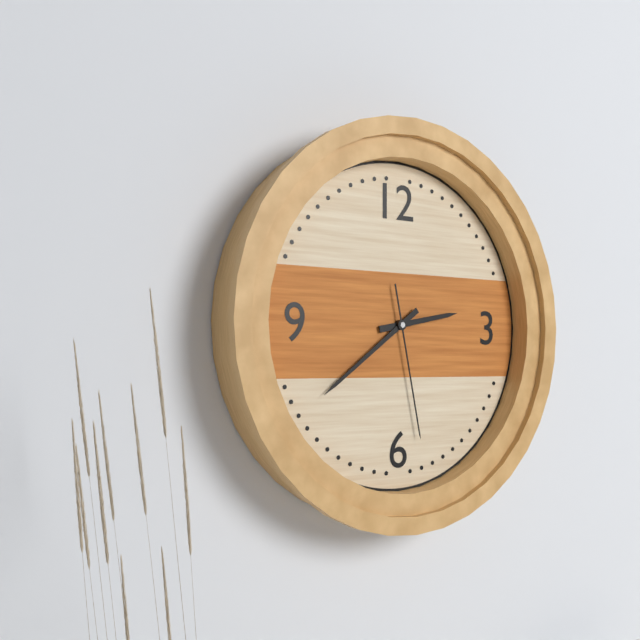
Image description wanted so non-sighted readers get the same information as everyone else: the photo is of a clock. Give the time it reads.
2:39:28
